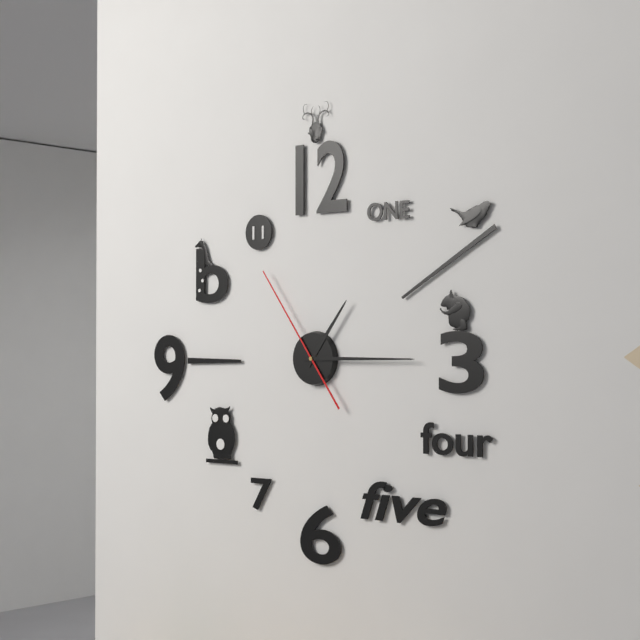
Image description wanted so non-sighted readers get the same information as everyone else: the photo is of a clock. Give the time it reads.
1:15:54
